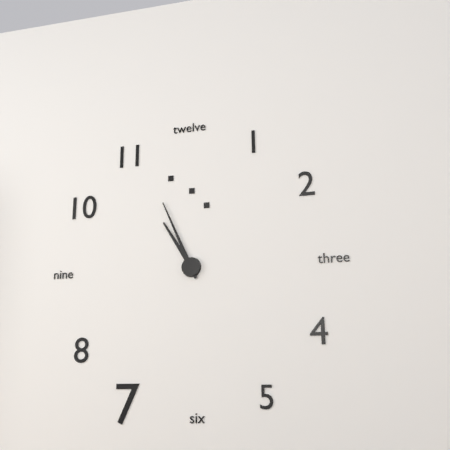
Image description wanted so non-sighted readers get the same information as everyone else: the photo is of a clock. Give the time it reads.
10:56
